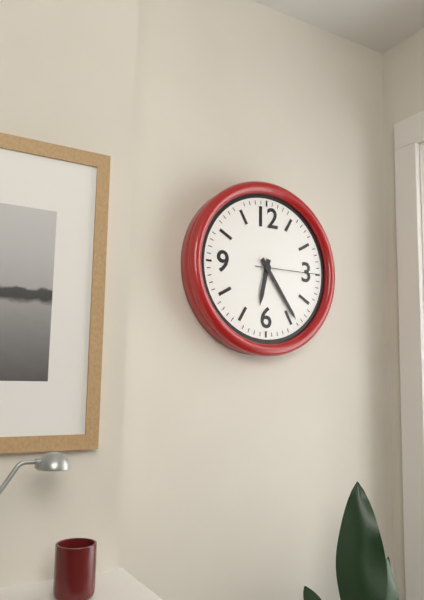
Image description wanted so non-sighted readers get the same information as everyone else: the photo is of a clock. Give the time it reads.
6:24:15
